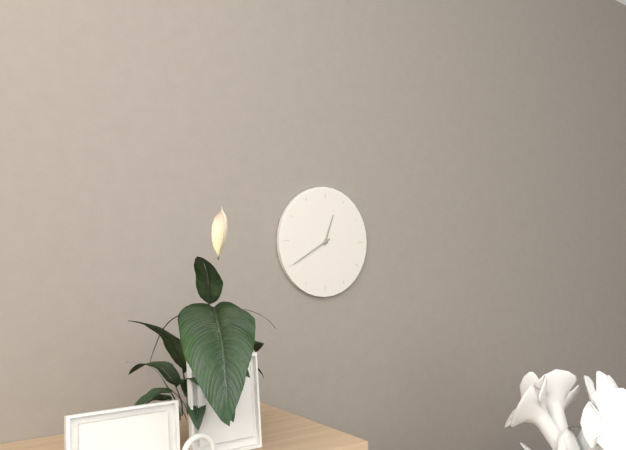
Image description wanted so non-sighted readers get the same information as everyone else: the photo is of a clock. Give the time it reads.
12:40
